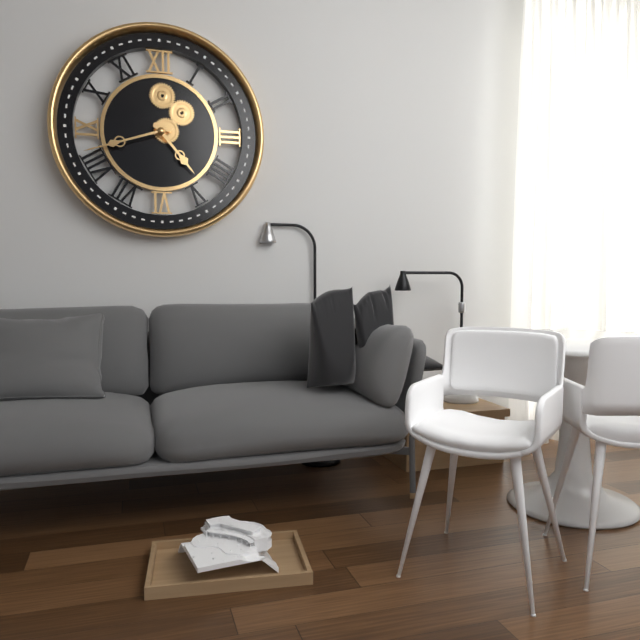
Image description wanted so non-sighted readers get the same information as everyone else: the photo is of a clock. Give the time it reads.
4:42
